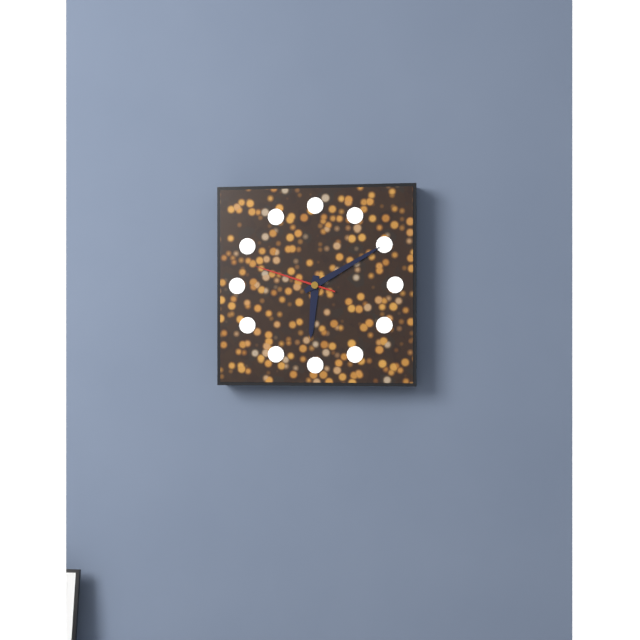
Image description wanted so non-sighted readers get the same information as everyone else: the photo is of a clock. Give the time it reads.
6:10:48
